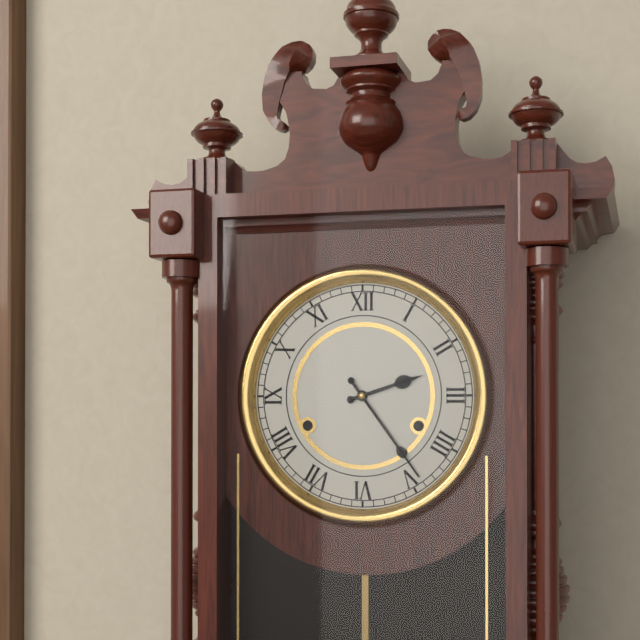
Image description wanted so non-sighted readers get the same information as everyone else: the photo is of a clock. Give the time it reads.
2:24
